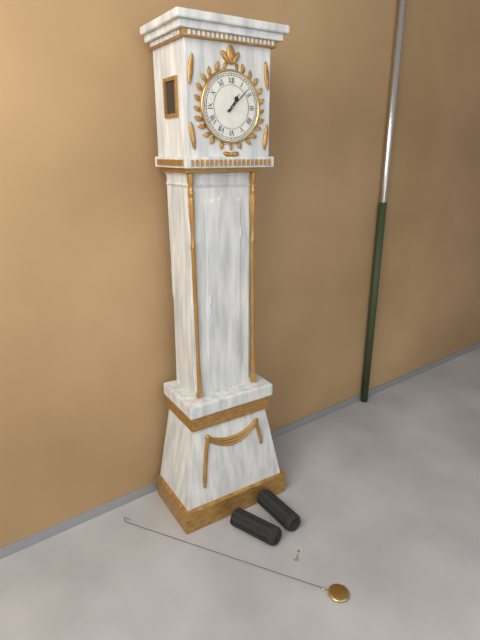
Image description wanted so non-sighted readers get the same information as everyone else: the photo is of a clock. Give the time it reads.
1:08
